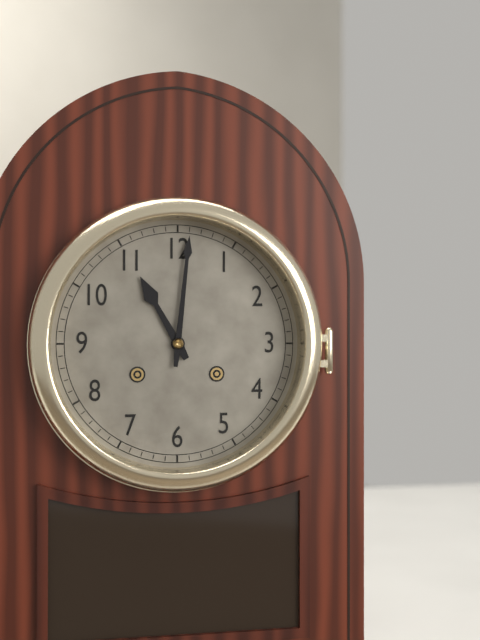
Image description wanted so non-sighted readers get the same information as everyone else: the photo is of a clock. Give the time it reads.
11:01
